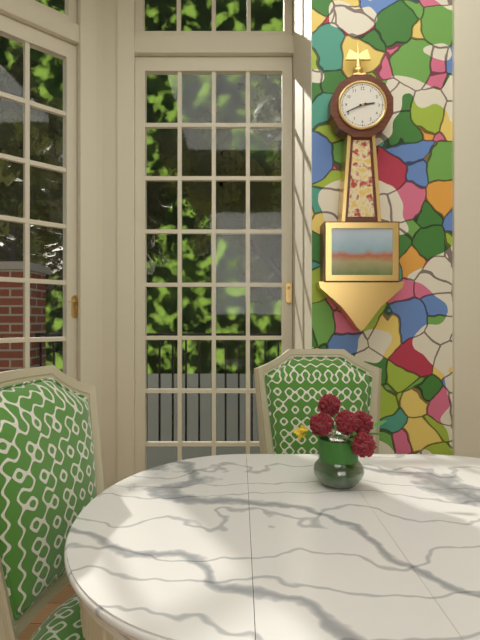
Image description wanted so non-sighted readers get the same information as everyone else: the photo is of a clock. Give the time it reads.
2:41
